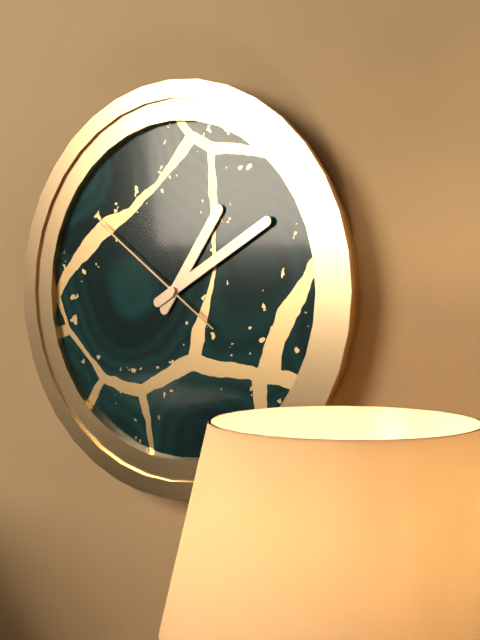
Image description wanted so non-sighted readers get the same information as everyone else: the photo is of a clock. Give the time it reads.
1:10:51
